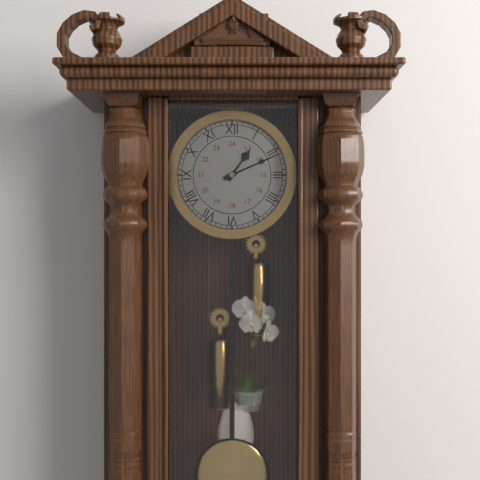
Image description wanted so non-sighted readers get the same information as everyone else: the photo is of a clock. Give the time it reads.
1:11
